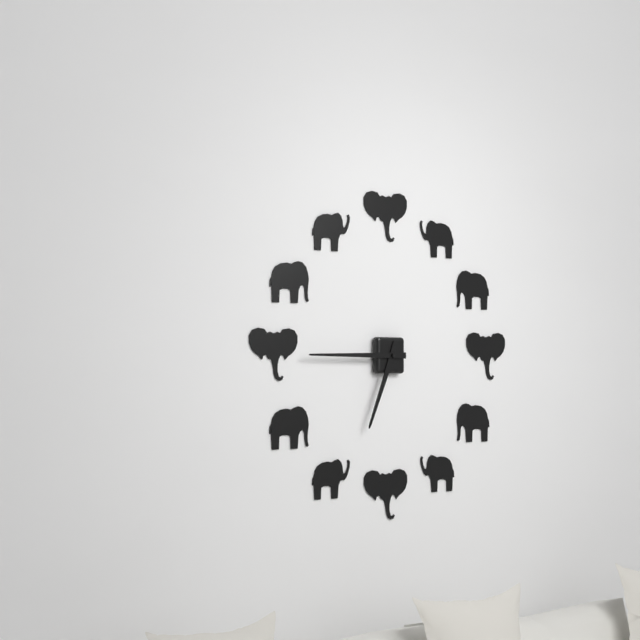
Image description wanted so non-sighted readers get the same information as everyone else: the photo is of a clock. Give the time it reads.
6:45
